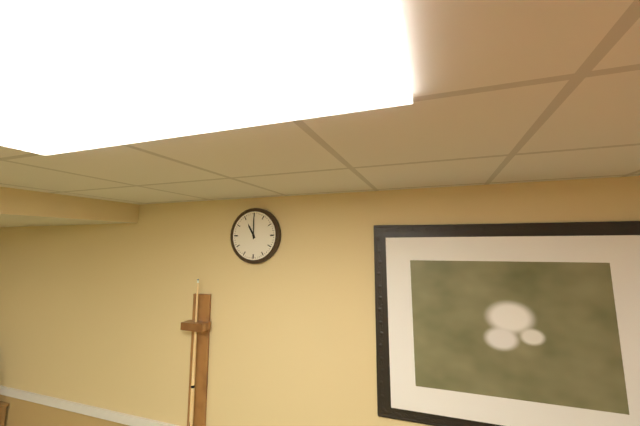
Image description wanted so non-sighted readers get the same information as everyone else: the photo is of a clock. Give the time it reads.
11:00
